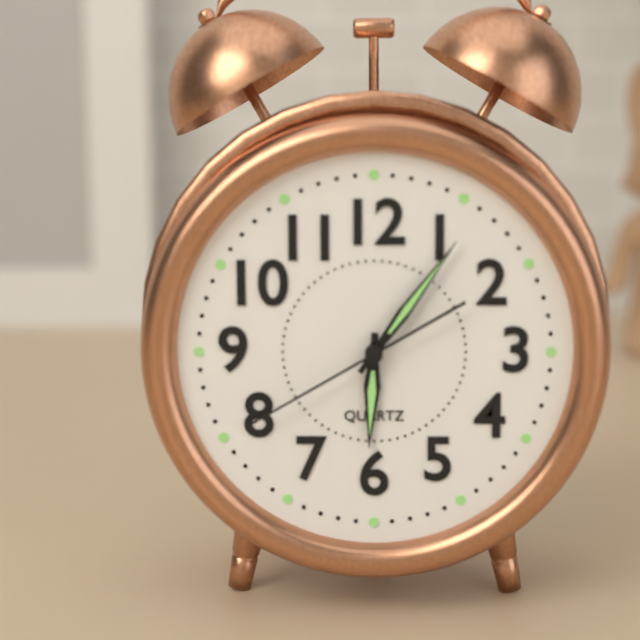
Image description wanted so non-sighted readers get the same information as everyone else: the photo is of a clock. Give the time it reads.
6:06:40
